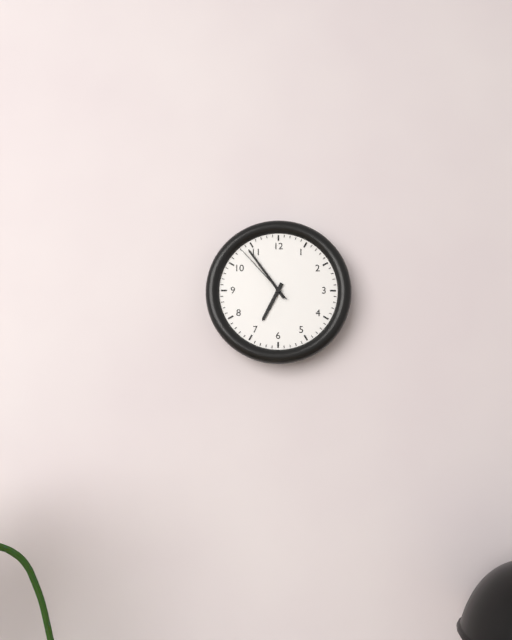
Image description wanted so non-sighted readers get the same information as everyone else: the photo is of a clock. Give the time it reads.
6:54:53
